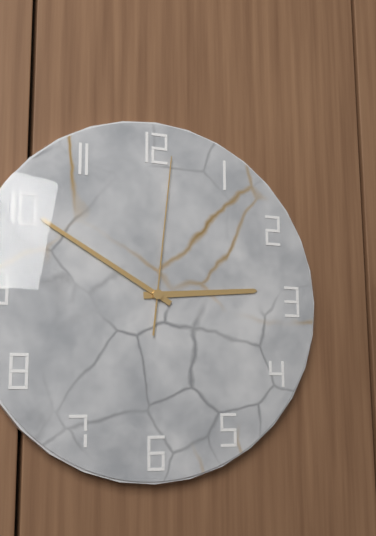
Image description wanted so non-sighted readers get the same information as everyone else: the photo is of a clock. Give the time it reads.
2:50:01
